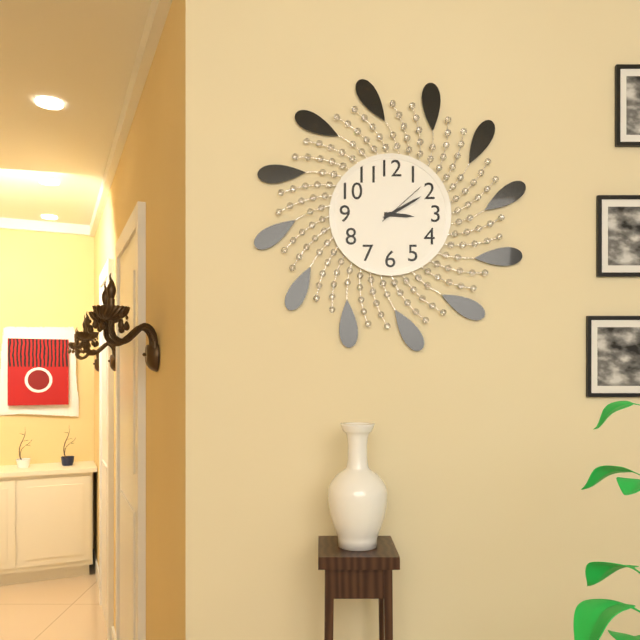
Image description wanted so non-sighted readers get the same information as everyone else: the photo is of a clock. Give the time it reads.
3:10:08
